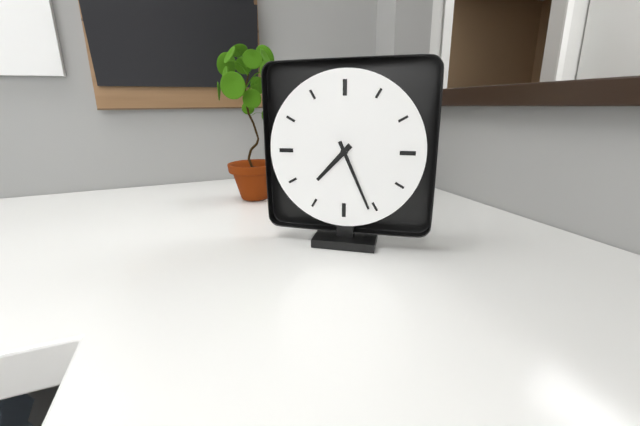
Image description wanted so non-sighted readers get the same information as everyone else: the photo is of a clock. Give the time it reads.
7:26
